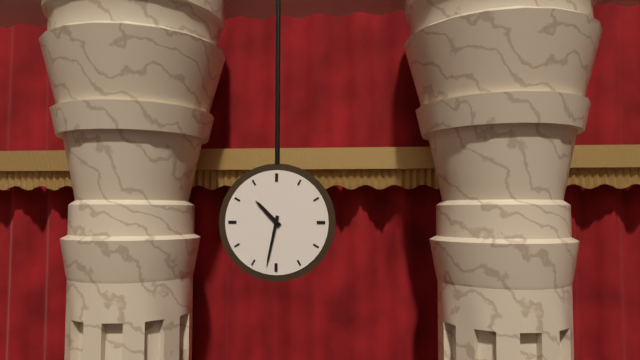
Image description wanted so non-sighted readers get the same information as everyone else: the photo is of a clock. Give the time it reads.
10:32
